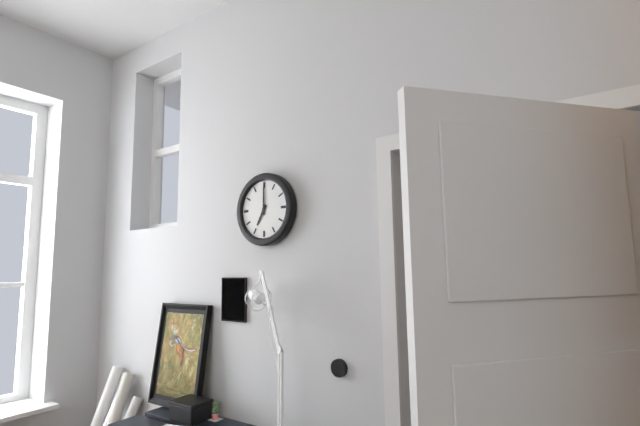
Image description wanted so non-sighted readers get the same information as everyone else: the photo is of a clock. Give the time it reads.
7:00
